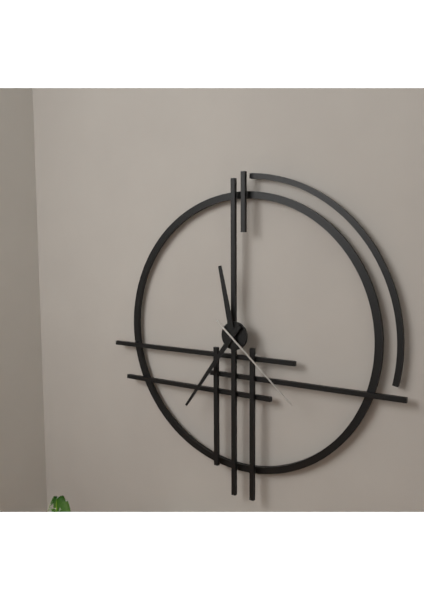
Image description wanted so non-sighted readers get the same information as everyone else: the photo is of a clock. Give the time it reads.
11:36:22
